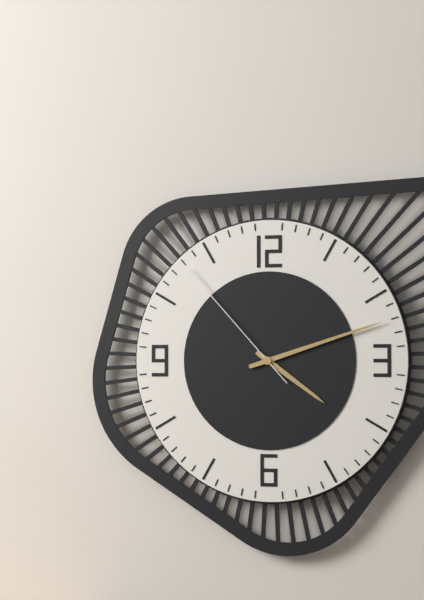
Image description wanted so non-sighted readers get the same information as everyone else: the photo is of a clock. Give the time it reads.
4:12:53
